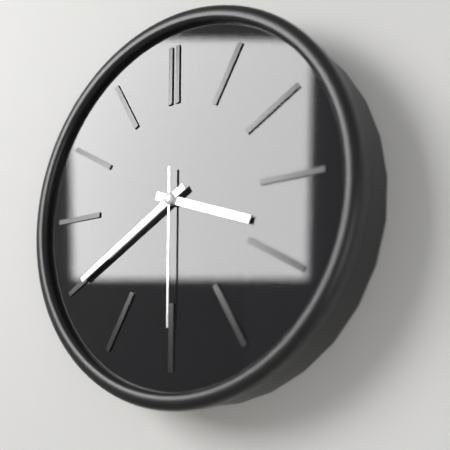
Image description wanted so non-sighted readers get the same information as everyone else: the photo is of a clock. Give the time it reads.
3:40:30
